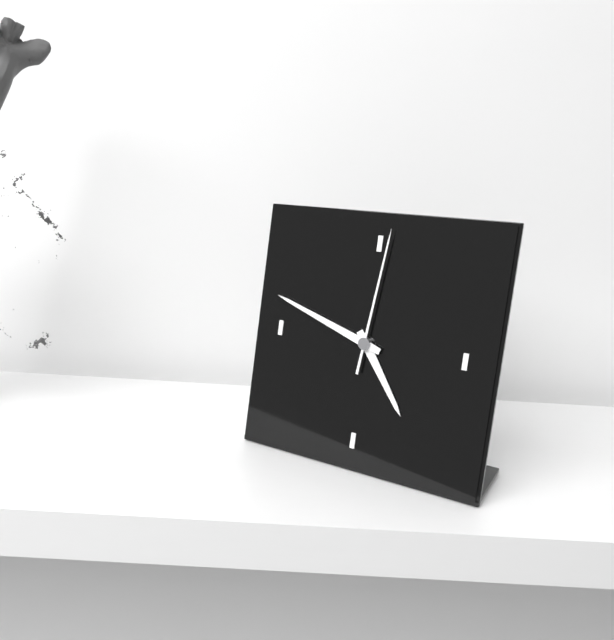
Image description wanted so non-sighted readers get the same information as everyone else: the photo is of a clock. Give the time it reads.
4:48:01
